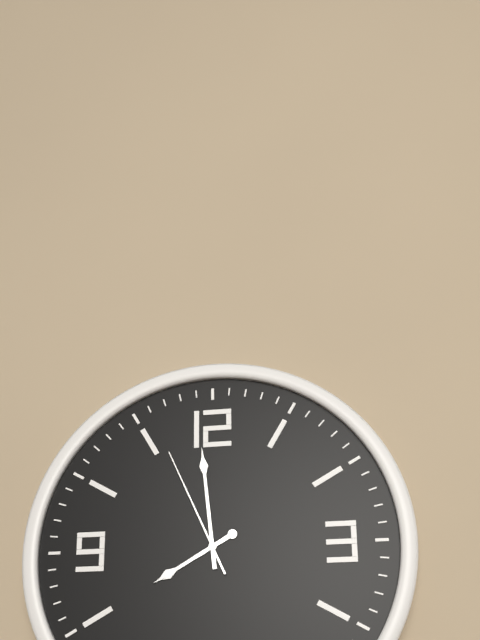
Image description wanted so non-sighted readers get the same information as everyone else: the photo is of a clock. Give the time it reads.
7:59:56
